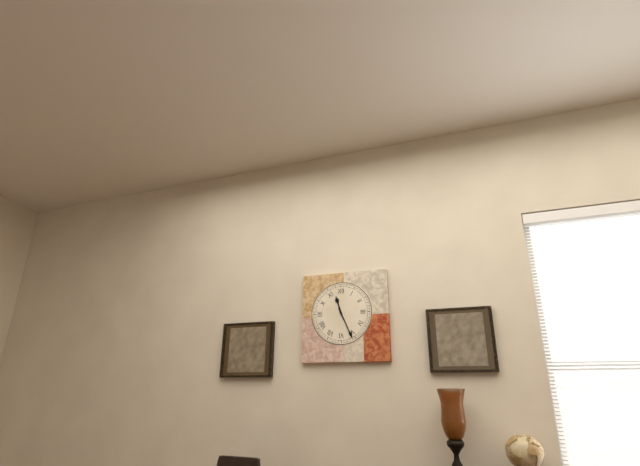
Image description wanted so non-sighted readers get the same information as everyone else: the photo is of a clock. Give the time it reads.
11:26
